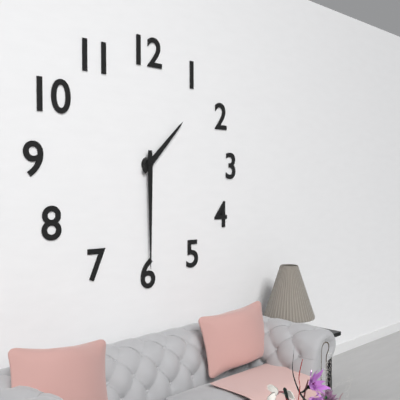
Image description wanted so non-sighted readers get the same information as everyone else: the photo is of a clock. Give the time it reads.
1:30
